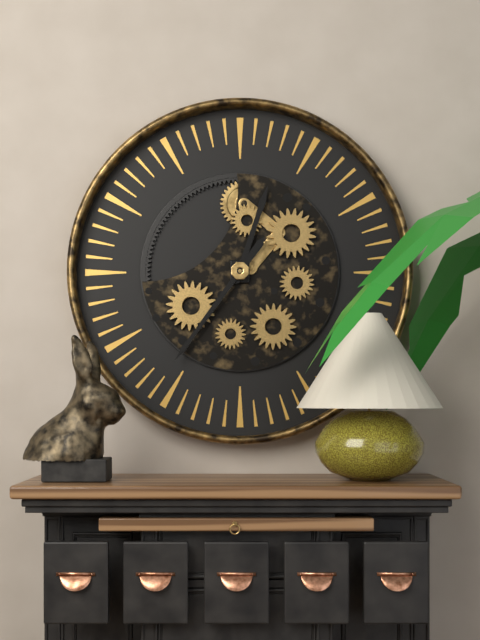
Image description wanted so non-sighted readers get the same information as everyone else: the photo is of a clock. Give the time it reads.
12:36
